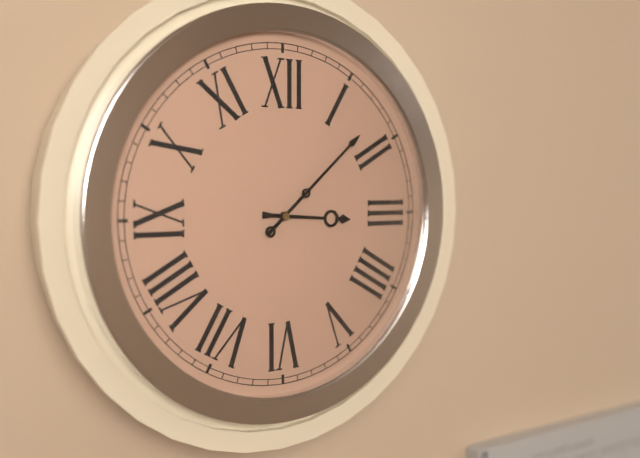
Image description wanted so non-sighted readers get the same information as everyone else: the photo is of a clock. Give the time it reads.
3:08
